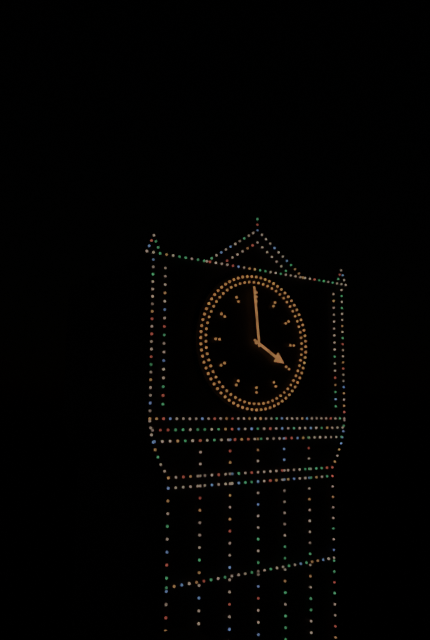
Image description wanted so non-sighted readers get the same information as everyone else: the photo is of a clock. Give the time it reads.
3:59
